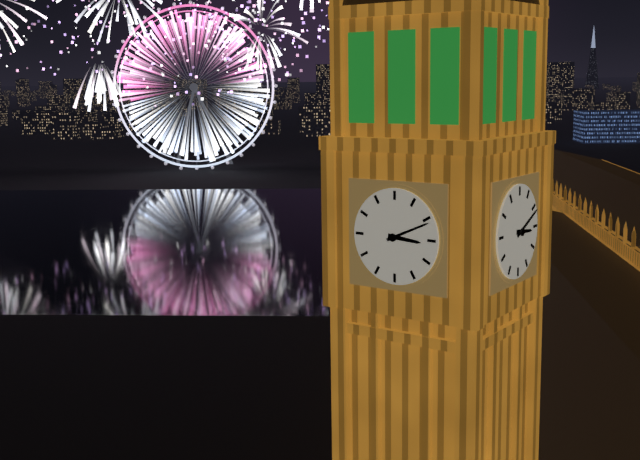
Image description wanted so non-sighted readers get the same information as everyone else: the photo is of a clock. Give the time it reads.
3:11
